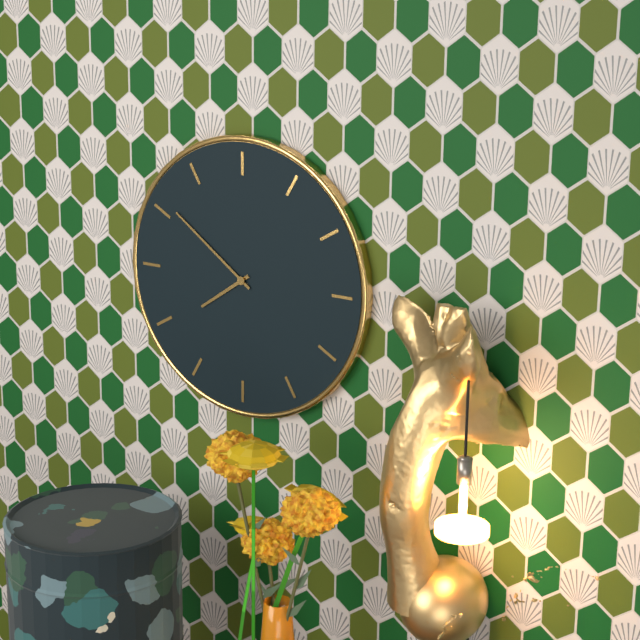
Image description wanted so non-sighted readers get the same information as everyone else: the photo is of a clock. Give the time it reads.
7:51
